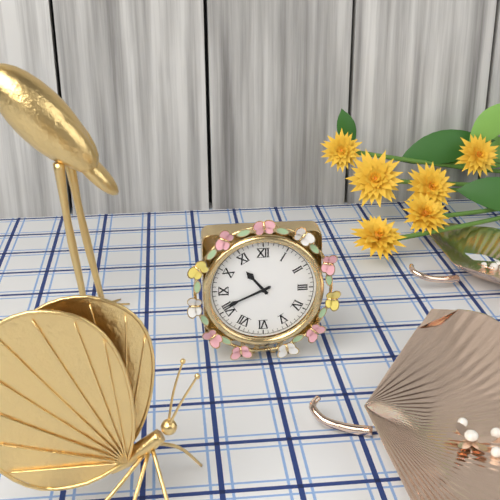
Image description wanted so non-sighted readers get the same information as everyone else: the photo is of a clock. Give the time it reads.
10:41
